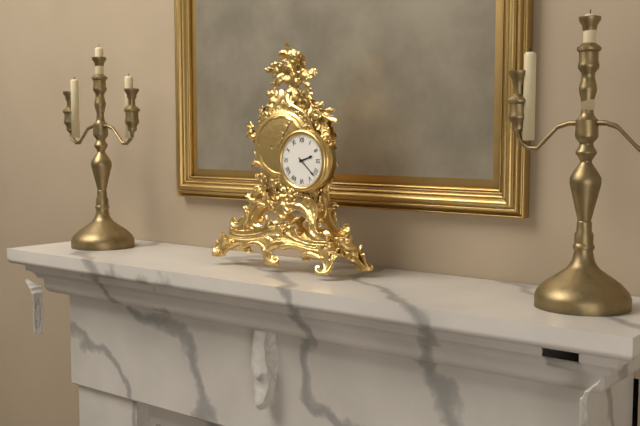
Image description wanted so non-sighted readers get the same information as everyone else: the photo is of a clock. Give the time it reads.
2:22
